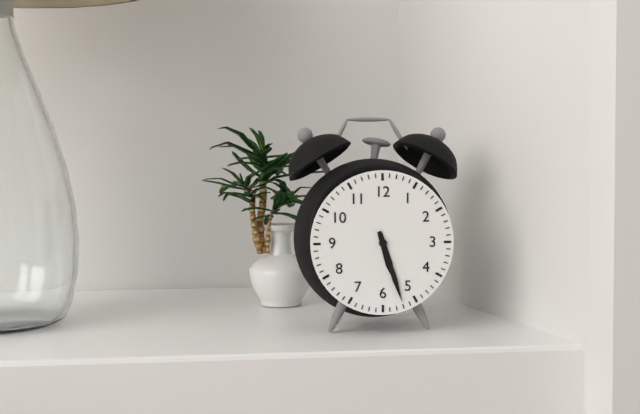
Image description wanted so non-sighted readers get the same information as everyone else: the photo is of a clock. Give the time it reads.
5:27
